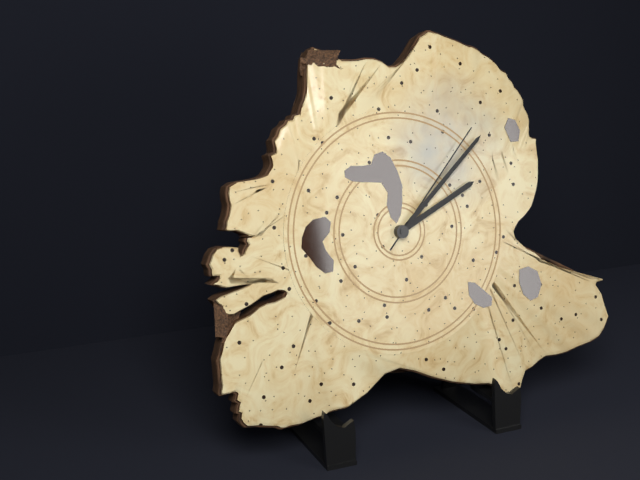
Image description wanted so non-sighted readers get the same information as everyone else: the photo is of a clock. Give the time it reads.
2:08:07
